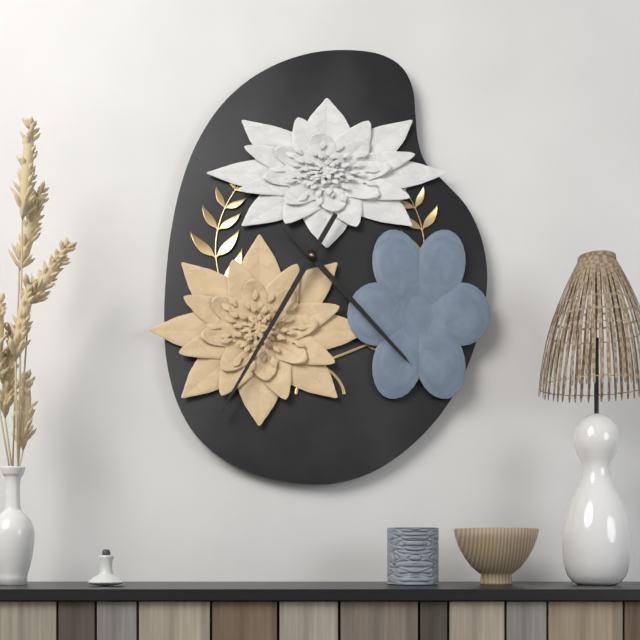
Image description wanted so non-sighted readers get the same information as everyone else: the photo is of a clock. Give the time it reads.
4:35
